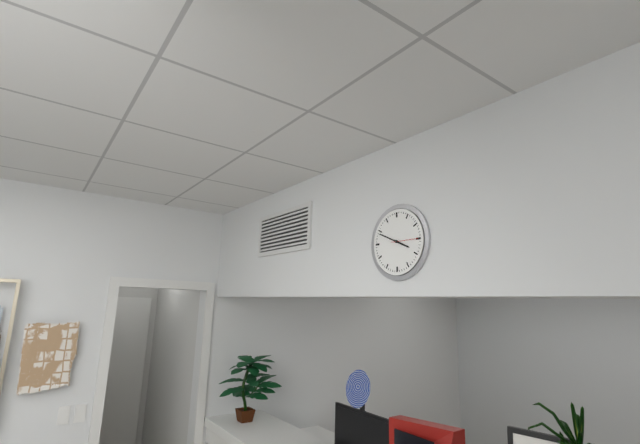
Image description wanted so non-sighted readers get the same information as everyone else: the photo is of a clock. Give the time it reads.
3:49
